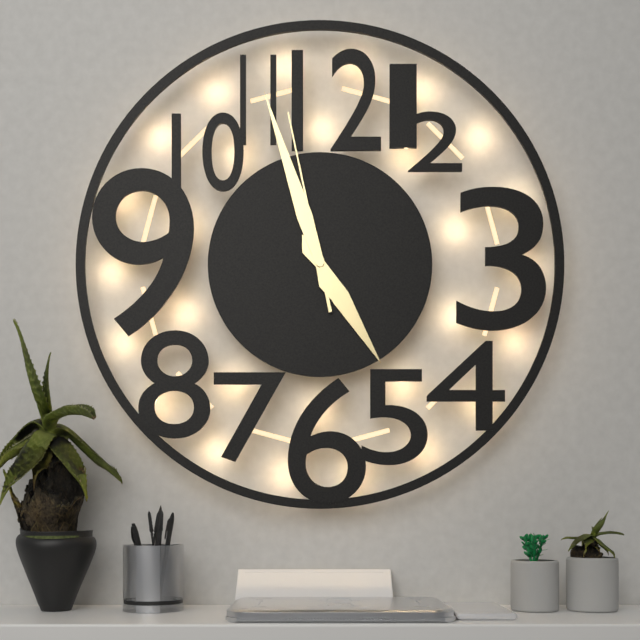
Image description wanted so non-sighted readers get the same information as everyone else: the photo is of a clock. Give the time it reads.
4:57:58
